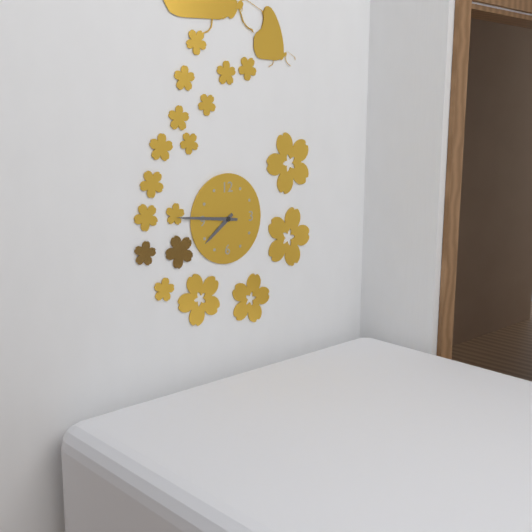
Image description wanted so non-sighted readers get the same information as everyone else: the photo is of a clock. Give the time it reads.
7:46
